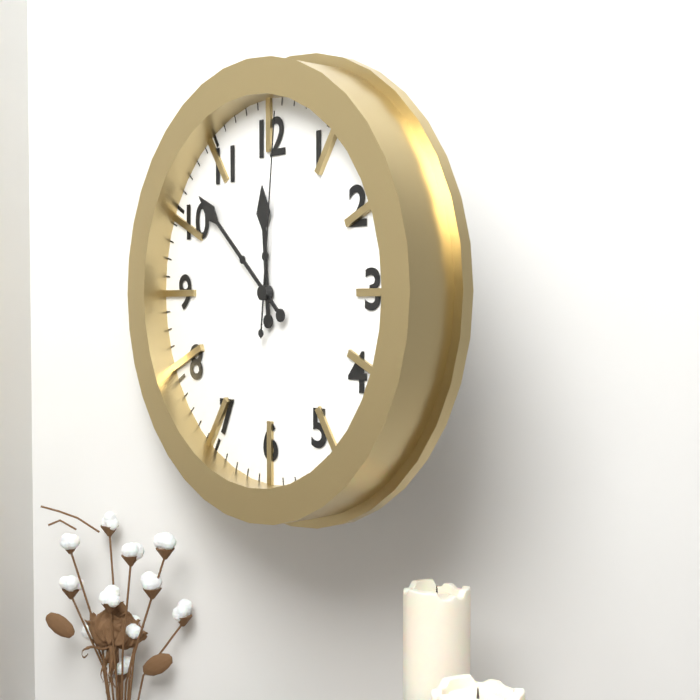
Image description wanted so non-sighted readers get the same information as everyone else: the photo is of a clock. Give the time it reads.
11:52:01
